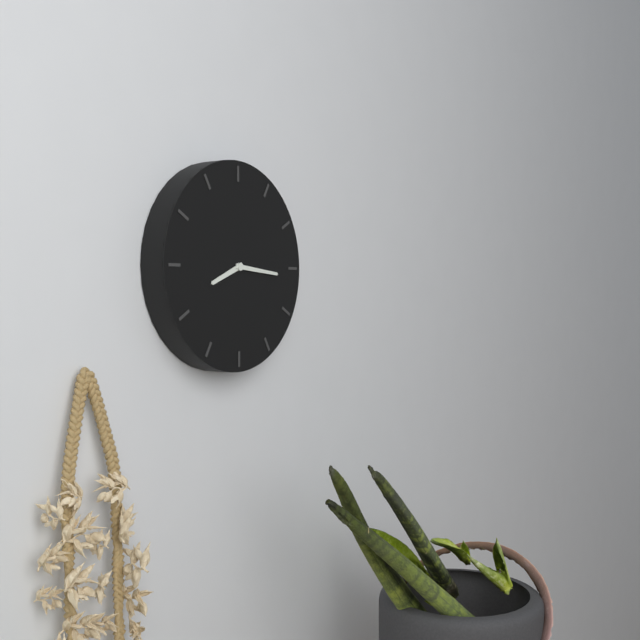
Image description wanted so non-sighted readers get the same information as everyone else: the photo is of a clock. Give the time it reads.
8:16
